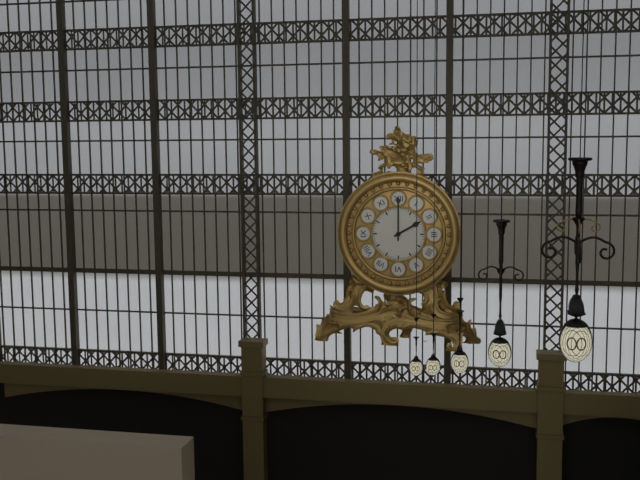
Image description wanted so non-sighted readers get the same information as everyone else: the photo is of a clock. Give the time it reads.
2:00
